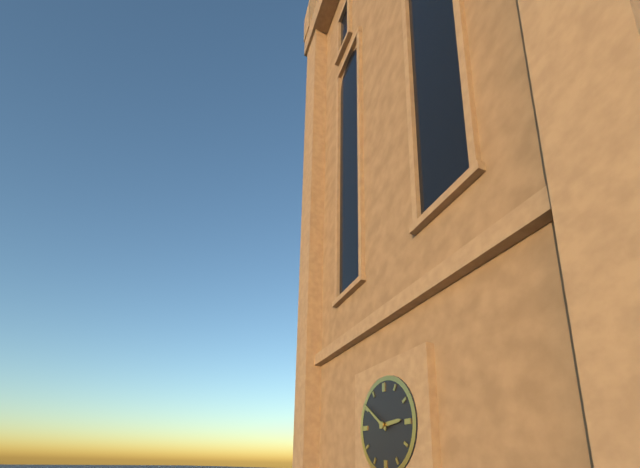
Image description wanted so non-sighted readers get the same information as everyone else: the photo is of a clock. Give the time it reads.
2:51
